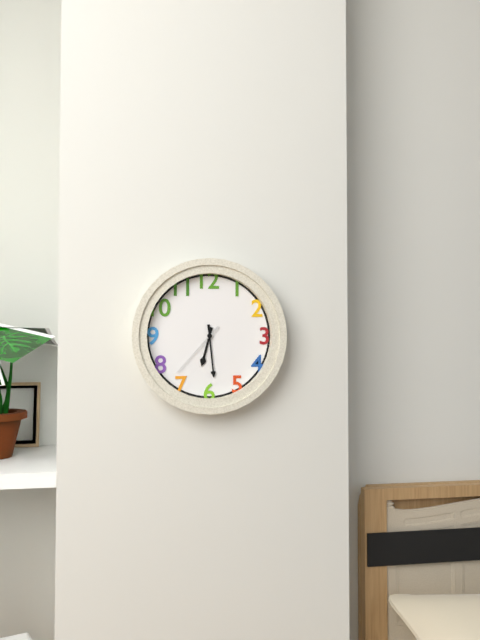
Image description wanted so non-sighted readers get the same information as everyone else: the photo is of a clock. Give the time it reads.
6:29:37
